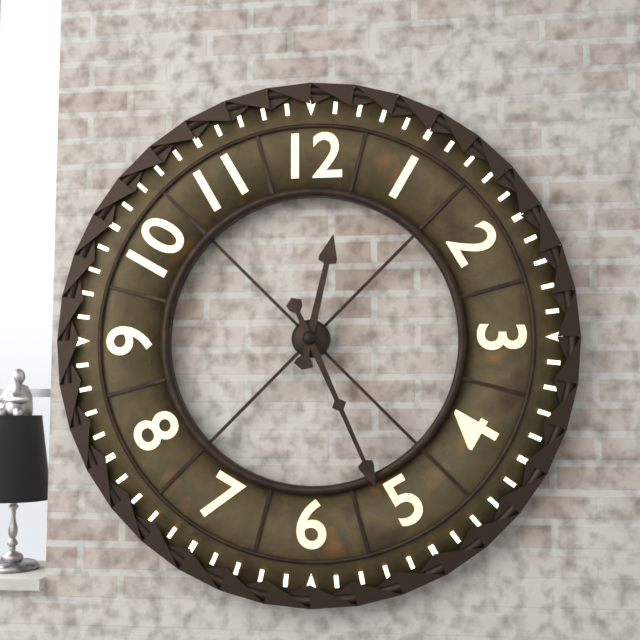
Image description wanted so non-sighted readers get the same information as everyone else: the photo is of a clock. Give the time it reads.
12:26
